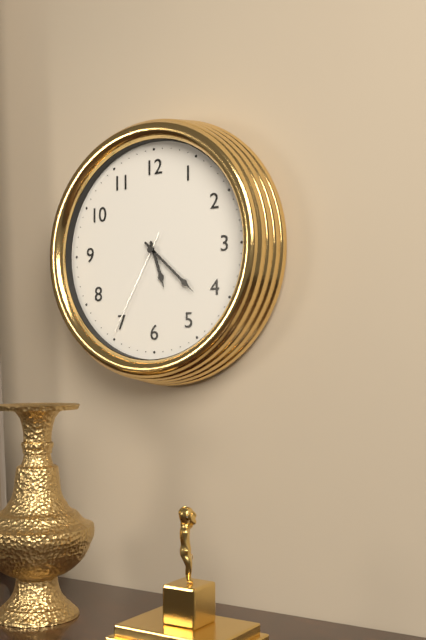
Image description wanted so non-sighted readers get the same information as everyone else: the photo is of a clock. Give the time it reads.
5:22:35
